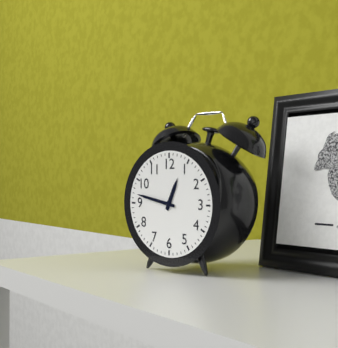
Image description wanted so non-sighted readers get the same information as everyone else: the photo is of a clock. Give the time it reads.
12:47
